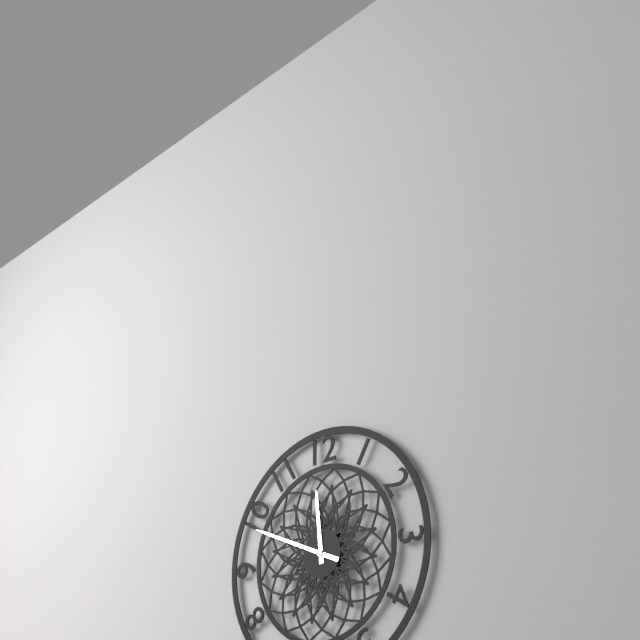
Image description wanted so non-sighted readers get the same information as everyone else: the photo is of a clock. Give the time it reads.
11:49
